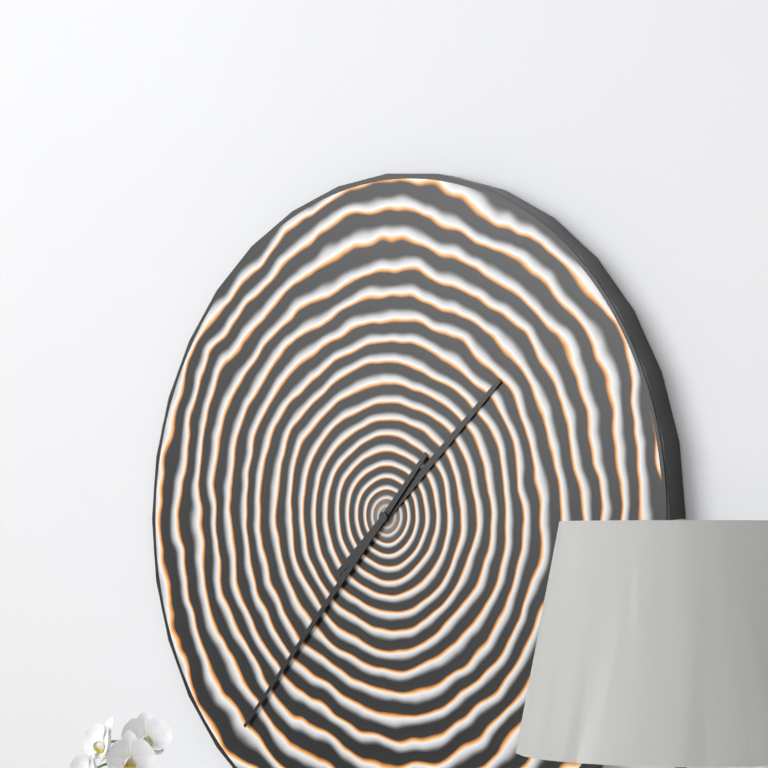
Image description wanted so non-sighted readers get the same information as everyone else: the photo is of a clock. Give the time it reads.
1:37
